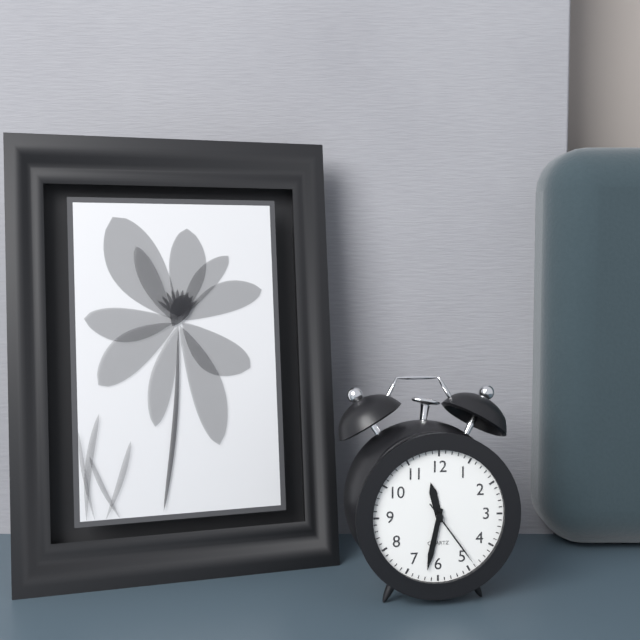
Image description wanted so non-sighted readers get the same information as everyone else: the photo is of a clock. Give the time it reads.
11:32:24
